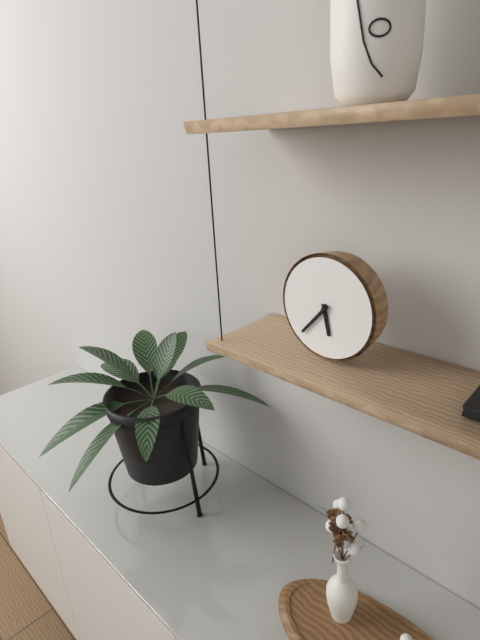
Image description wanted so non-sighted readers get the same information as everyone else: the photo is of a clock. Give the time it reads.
5:37
